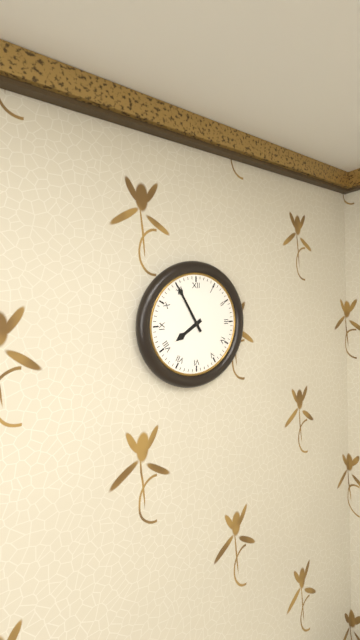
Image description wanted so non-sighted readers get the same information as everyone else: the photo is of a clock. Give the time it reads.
7:55
